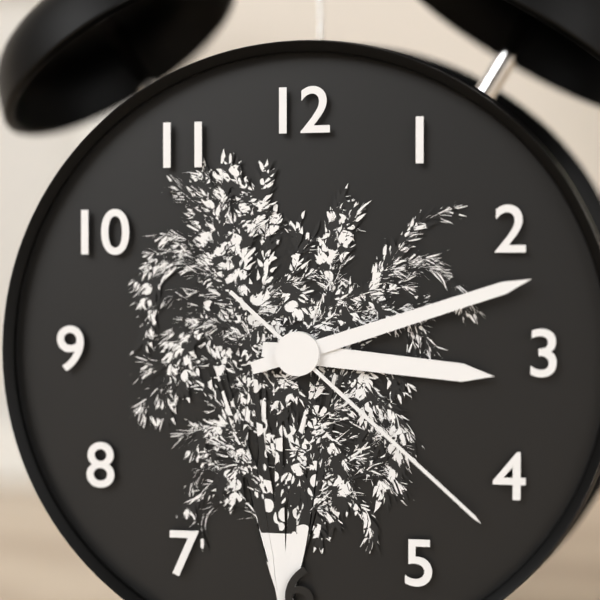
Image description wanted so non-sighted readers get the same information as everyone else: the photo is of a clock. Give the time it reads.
3:12:22
